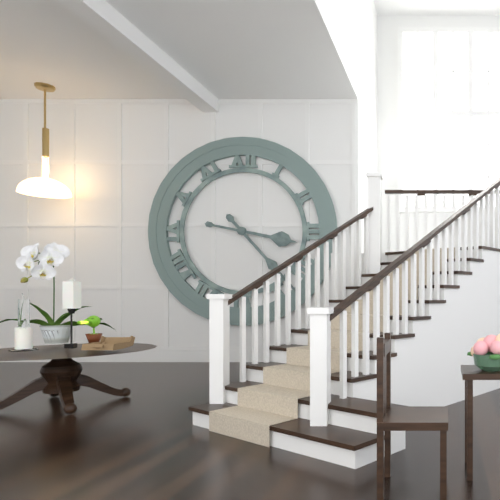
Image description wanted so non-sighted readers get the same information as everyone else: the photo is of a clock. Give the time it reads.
3:23
